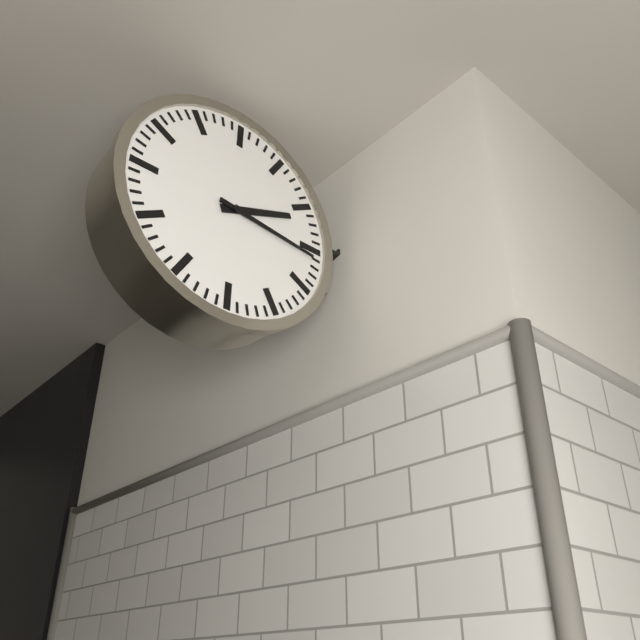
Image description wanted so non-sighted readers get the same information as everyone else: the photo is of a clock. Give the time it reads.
2:16
